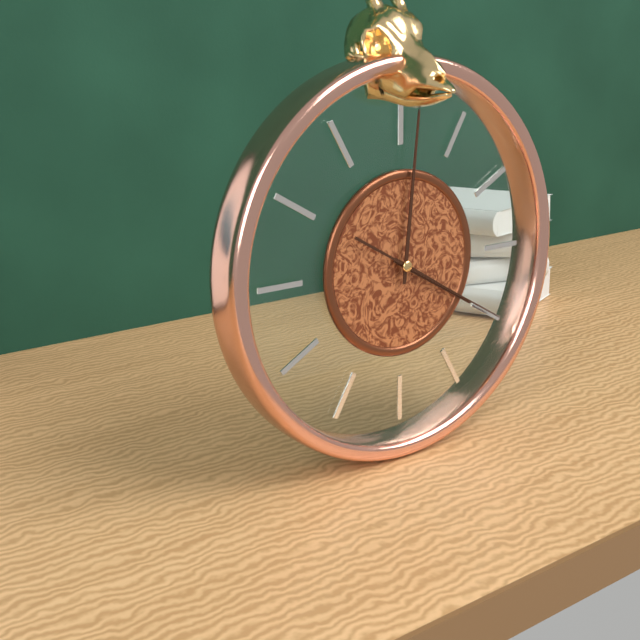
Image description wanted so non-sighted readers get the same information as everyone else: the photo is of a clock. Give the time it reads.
4:01:20
